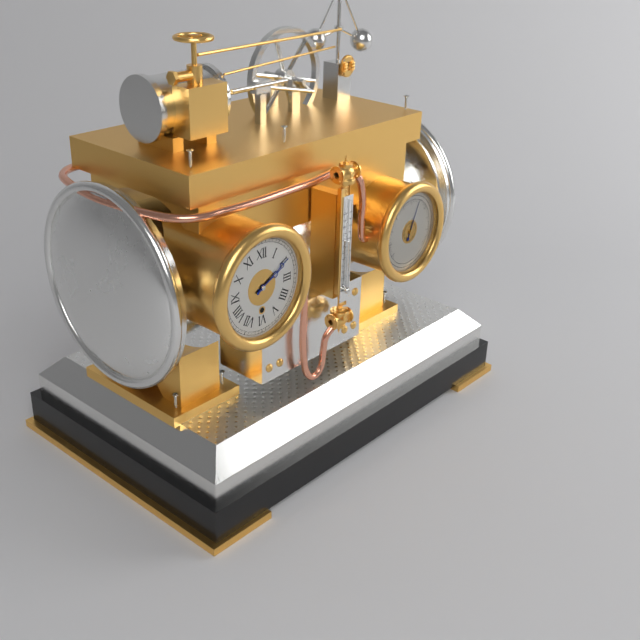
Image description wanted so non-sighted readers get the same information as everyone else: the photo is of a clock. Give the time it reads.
2:10
